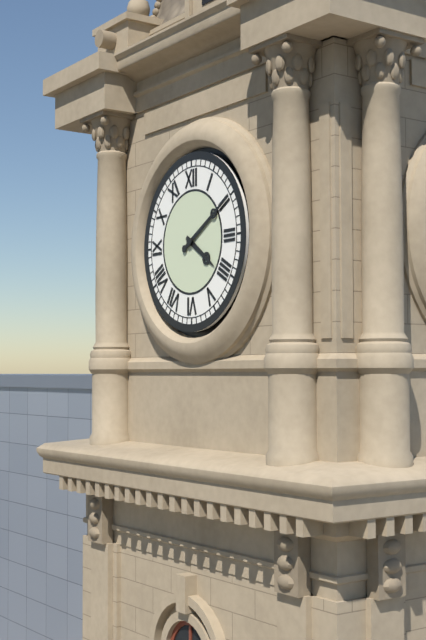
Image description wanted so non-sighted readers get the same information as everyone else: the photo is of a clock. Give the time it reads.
4:10
